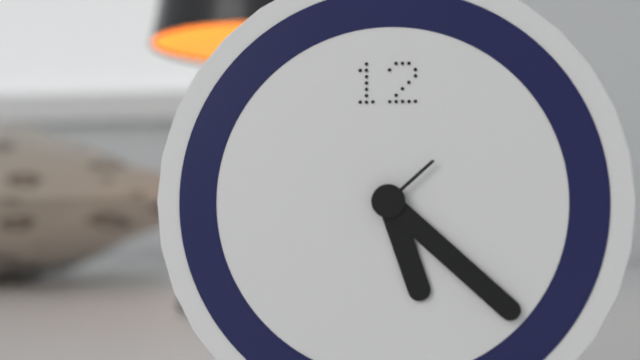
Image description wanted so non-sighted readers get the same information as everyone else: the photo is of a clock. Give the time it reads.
5:22:08
